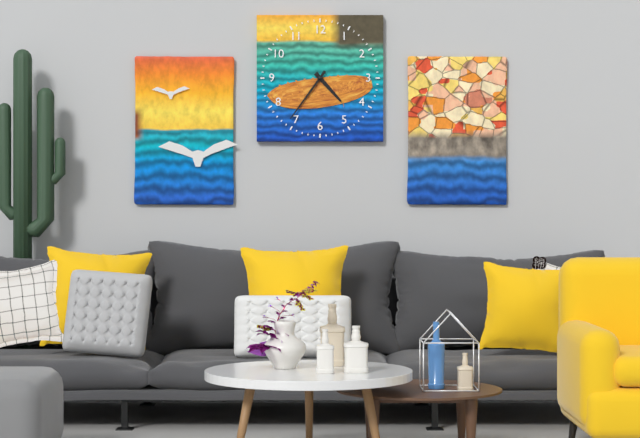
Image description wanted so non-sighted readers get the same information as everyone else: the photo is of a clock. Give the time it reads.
4:36
